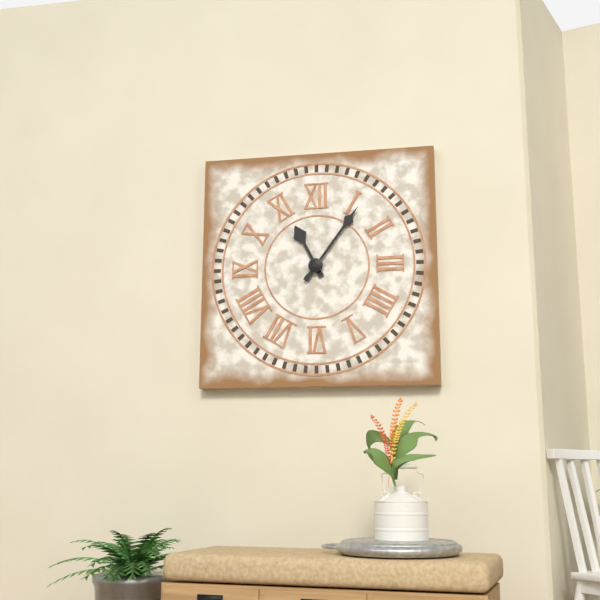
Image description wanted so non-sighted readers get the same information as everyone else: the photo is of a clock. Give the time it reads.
11:06
